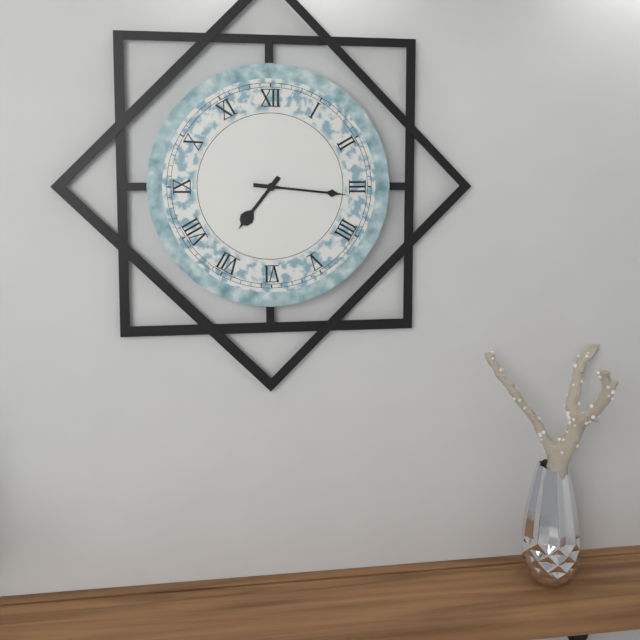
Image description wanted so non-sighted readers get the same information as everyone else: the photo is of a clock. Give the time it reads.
7:16
